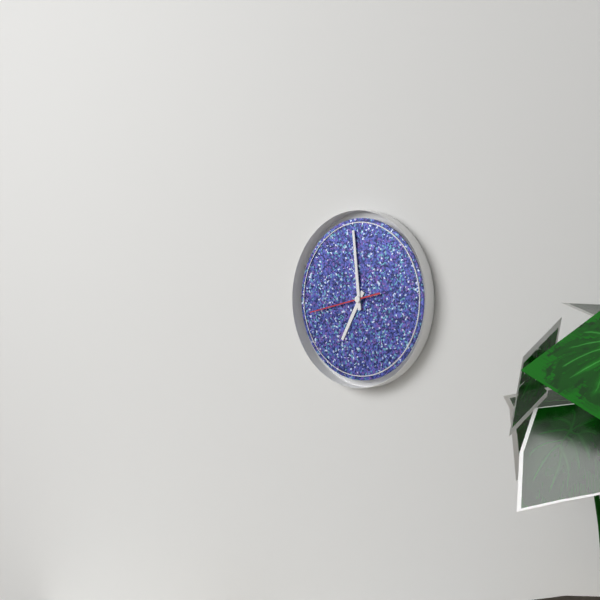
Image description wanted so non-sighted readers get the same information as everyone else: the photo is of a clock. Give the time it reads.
6:59:43
